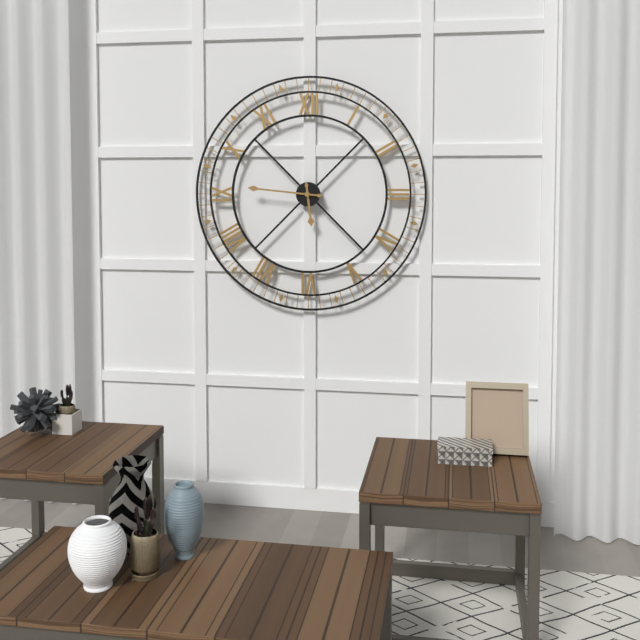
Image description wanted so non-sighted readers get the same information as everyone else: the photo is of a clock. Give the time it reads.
5:46
